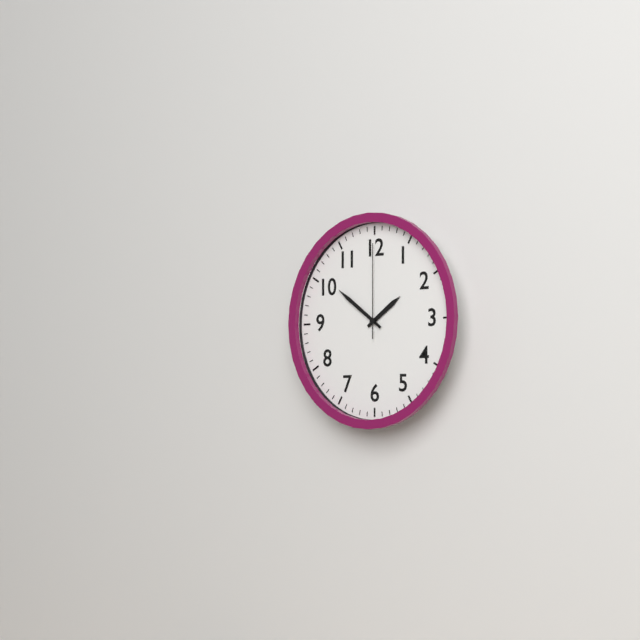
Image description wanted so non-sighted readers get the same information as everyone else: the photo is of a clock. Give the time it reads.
1:51:00
